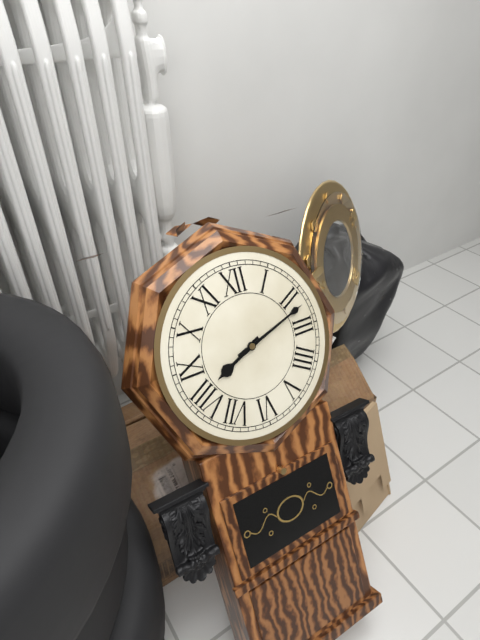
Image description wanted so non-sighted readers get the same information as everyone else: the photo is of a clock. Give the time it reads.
8:12
